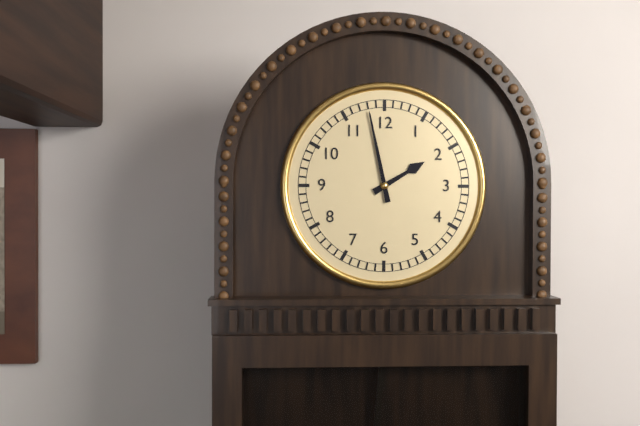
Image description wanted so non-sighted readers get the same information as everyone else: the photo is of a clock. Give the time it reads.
1:58
